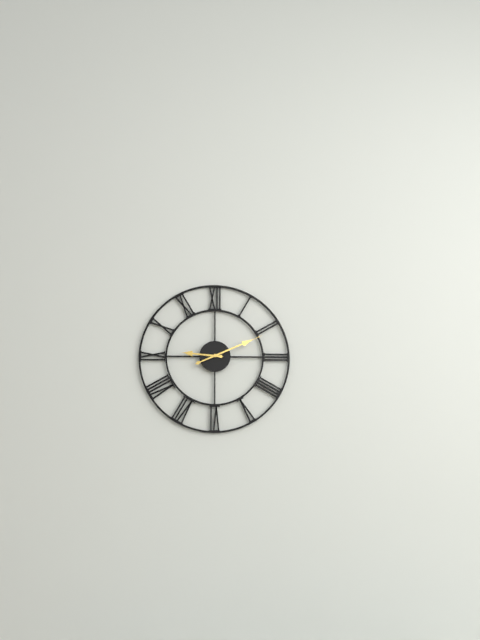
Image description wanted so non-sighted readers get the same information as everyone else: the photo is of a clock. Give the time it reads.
9:11
